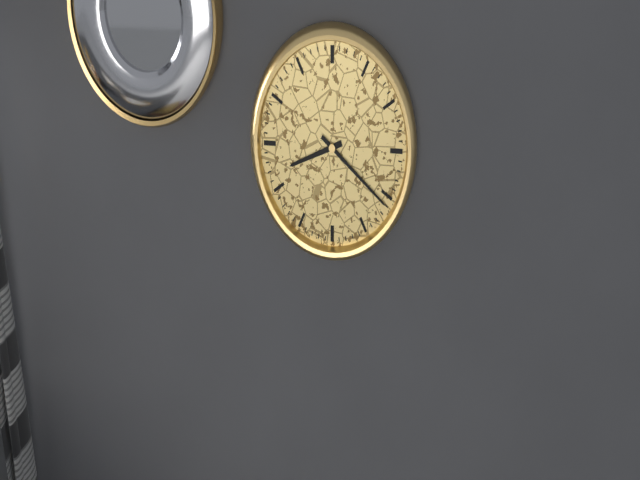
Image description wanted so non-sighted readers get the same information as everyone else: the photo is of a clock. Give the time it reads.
8:21
